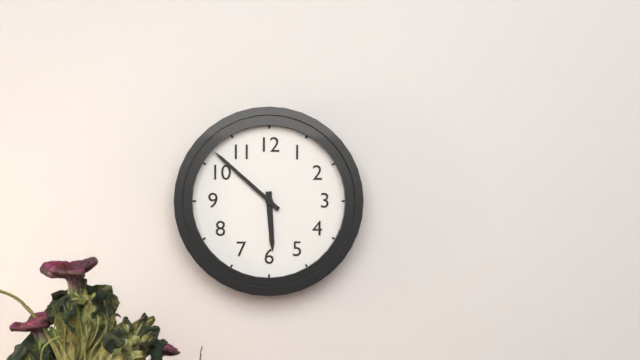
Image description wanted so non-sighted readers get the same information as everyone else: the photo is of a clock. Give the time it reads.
5:52
